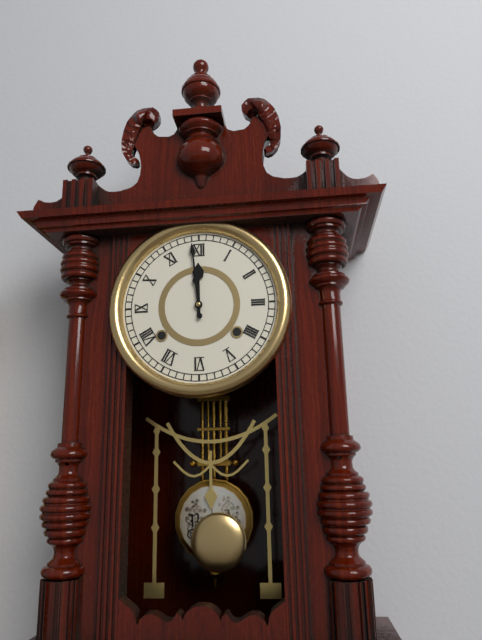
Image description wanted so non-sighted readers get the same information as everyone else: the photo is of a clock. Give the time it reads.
11:59
